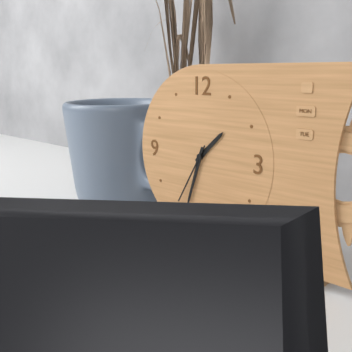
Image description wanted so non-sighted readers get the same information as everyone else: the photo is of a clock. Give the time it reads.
1:33:35
